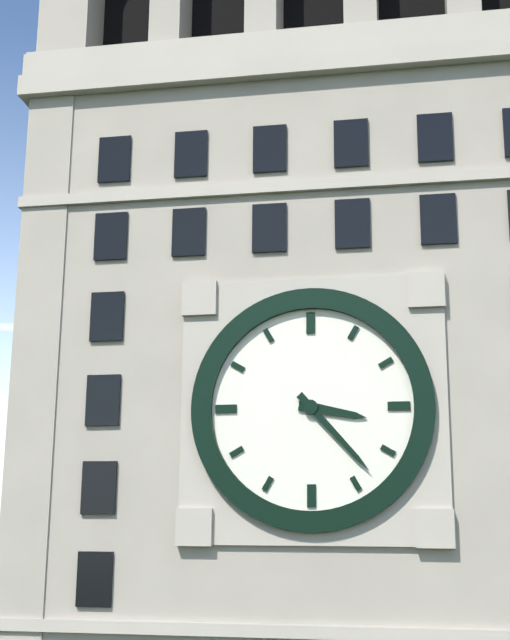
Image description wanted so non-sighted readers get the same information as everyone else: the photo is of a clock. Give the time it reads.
3:23
